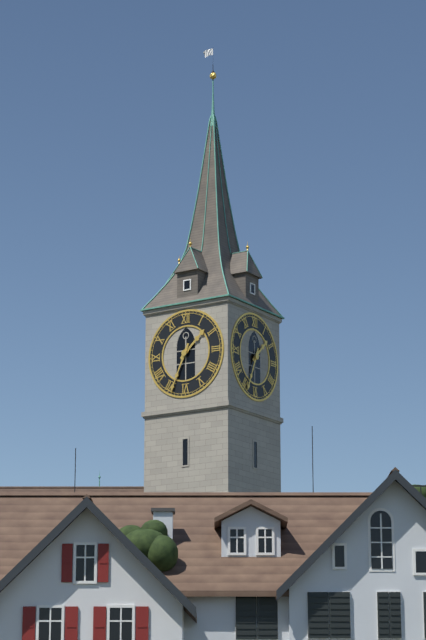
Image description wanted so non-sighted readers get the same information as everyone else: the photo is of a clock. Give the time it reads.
1:34
